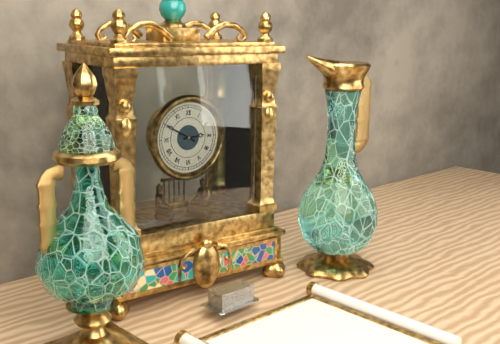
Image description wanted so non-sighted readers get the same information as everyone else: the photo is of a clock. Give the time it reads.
2:50
